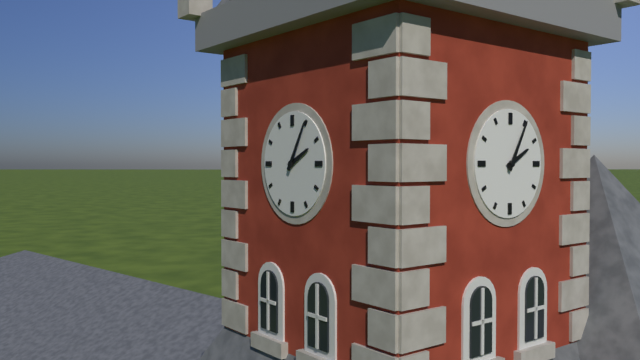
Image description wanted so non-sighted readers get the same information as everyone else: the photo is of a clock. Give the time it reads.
2:05
